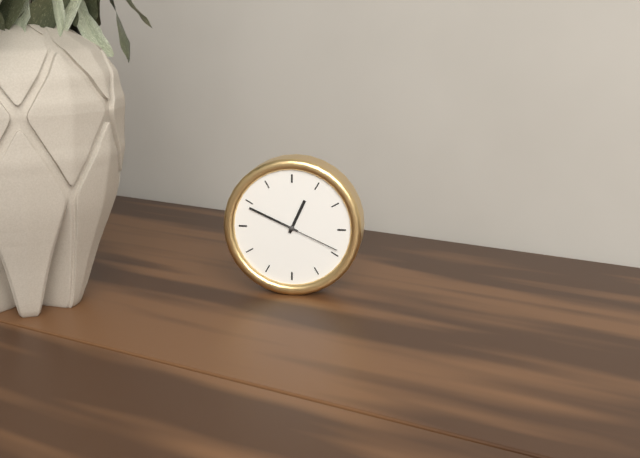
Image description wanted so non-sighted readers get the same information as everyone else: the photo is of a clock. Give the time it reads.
12:49:19
